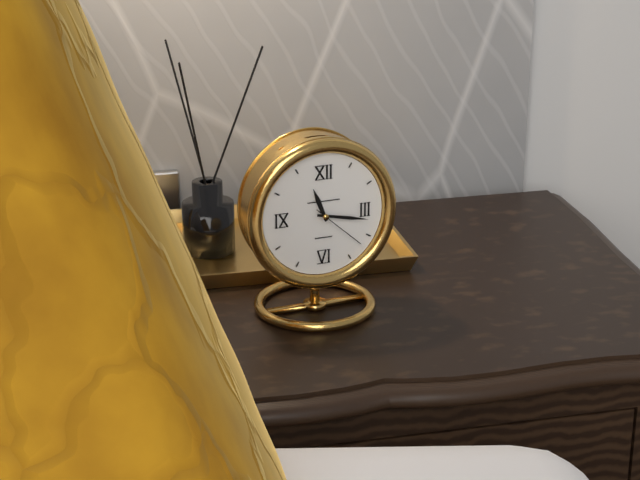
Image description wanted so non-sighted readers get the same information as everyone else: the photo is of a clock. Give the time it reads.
11:17:22
